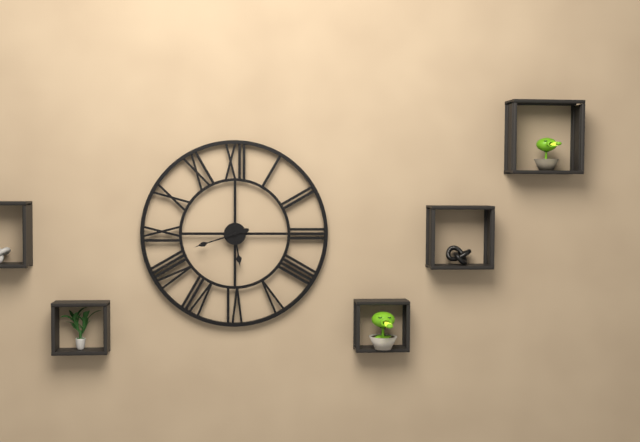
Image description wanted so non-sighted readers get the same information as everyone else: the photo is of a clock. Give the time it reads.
5:42
